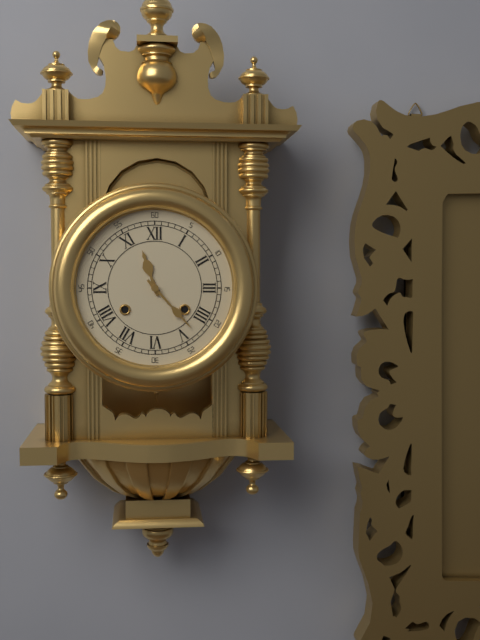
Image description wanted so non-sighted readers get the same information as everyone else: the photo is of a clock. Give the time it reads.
11:23
